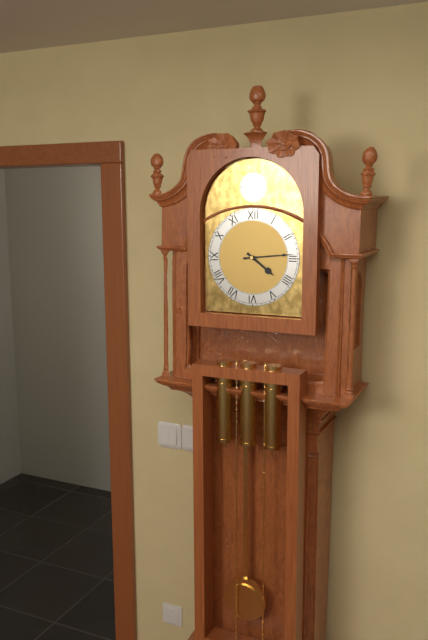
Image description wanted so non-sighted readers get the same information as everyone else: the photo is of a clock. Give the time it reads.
4:14
